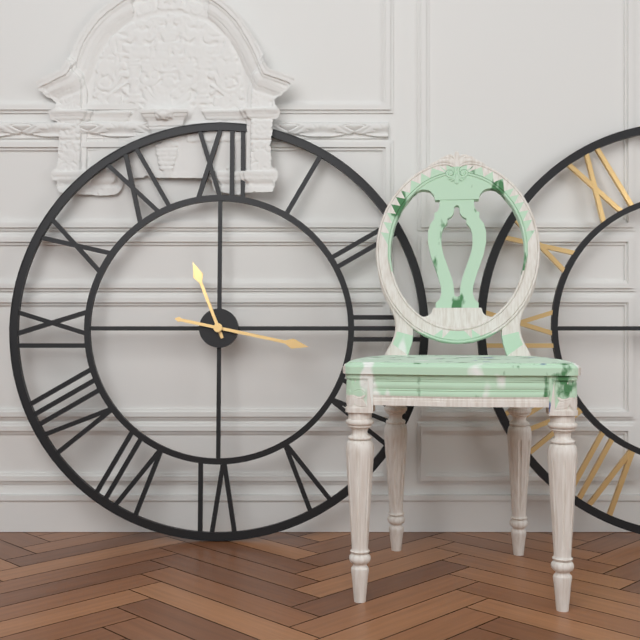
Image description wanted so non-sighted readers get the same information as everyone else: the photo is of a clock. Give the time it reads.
11:17
